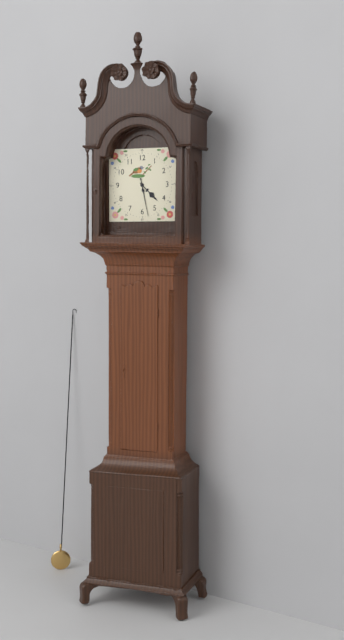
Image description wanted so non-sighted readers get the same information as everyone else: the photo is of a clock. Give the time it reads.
4:28
